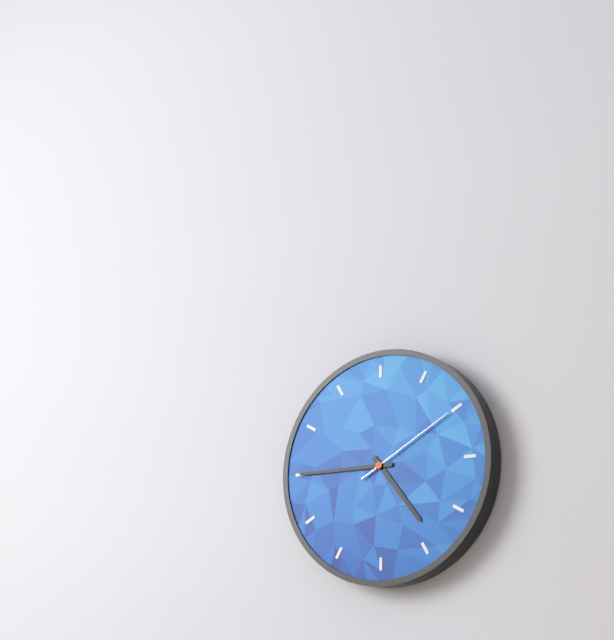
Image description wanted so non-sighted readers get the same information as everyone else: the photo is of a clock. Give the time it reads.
4:45:10
